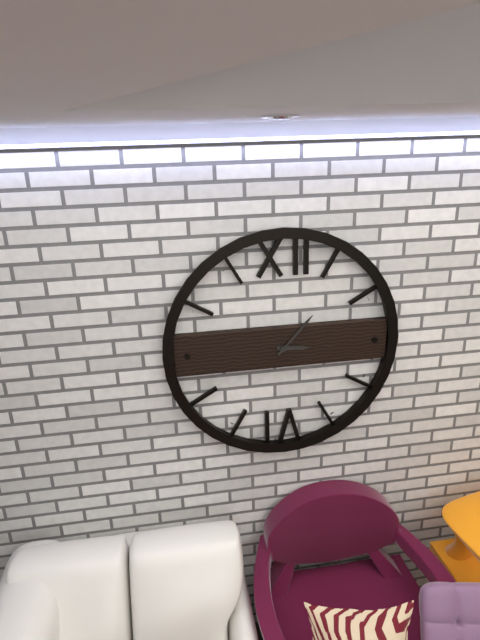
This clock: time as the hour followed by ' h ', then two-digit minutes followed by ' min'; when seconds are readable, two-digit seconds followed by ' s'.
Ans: 3 h 07 min
